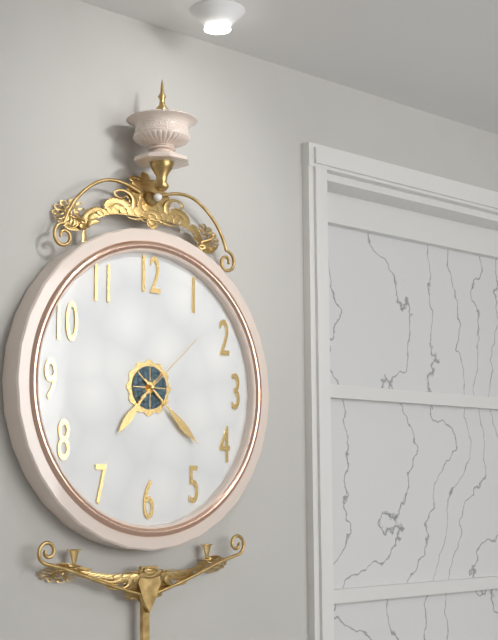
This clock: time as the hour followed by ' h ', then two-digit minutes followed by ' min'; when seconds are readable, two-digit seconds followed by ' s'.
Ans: 7 h 22 min 08 s
